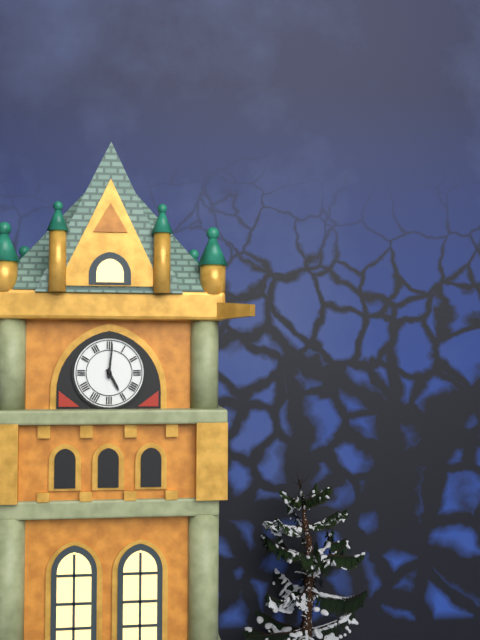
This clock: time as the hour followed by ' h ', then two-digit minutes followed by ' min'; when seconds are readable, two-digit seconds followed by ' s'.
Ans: 5 h 01 min
